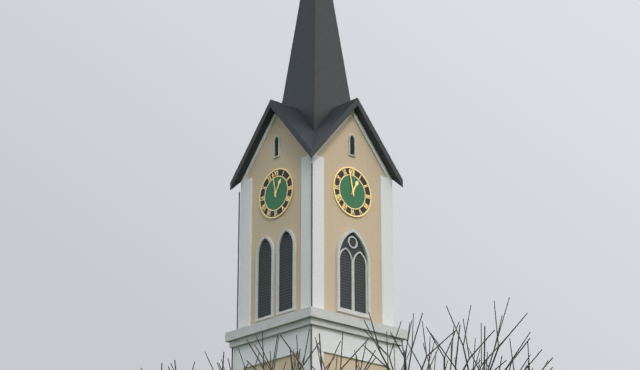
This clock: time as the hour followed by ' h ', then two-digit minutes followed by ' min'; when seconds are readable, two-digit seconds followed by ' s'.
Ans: 12 h 58 min
